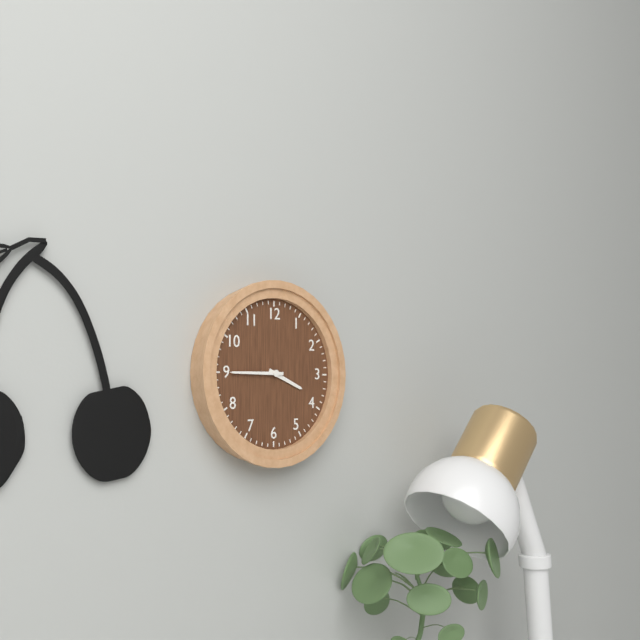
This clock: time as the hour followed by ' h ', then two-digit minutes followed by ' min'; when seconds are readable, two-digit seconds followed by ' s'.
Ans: 3 h 45 min
